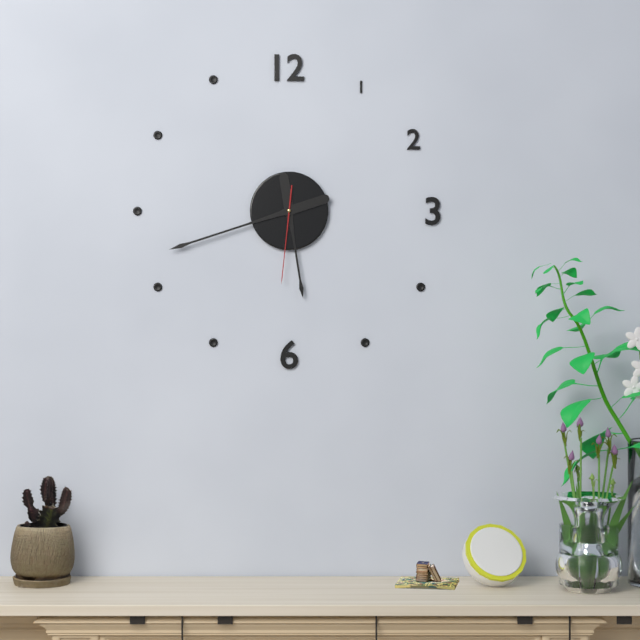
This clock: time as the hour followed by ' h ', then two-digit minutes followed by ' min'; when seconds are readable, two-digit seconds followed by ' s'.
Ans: 5 h 42 min 31 s
